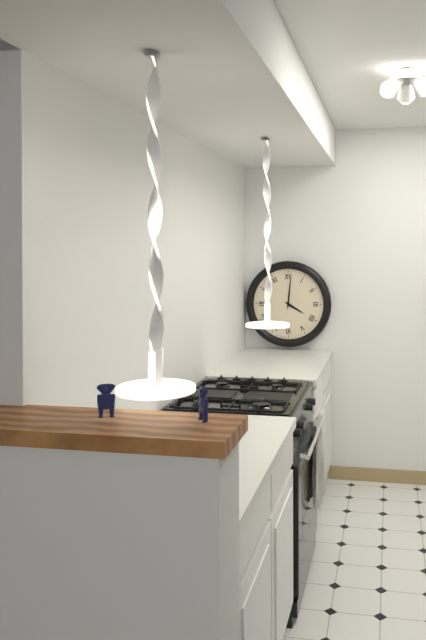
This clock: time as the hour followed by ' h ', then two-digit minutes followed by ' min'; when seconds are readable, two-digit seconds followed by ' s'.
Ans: 4 h 01 min
